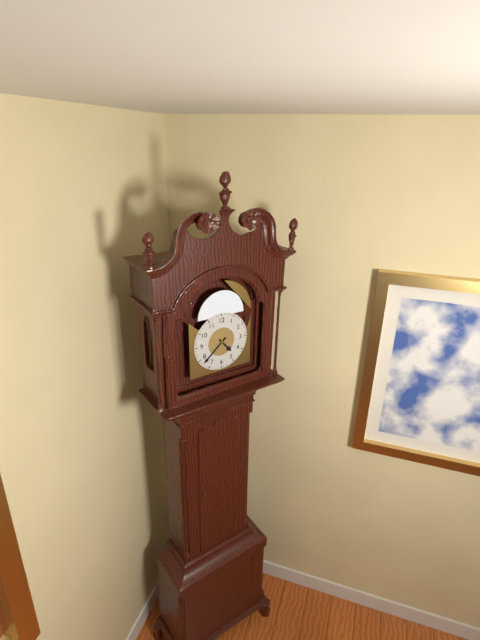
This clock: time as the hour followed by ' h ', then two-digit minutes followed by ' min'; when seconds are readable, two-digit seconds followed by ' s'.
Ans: 4 h 38 min
